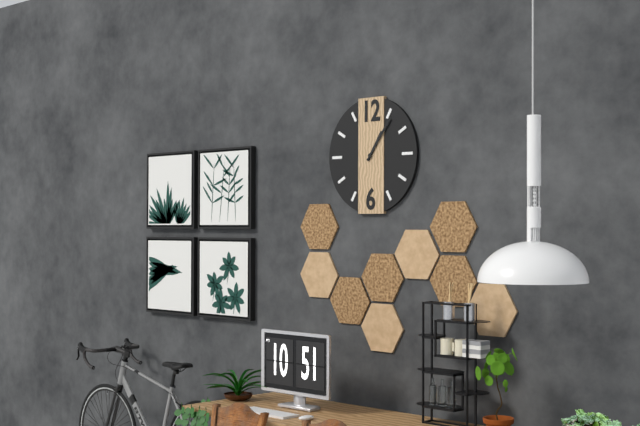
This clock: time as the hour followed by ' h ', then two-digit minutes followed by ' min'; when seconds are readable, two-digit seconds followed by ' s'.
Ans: 1 h 06 min
